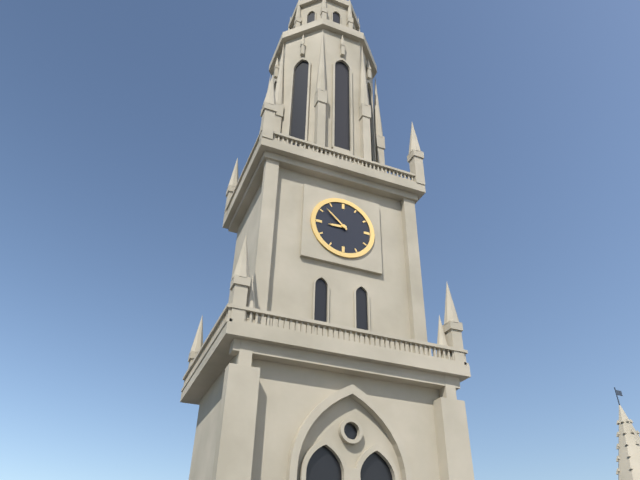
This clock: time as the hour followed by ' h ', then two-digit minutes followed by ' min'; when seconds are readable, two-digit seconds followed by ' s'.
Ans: 8 h 52 min
